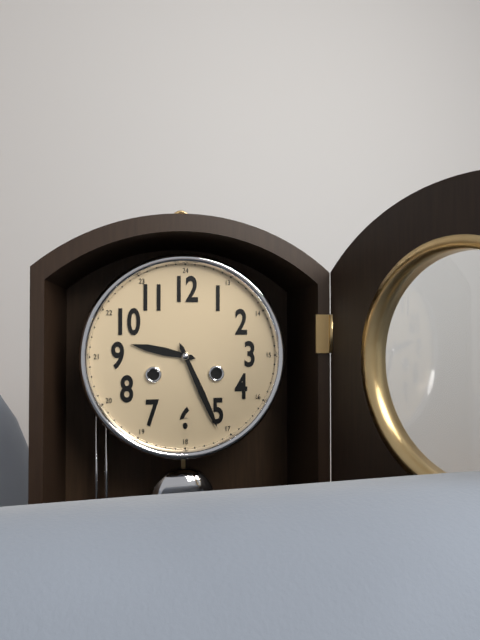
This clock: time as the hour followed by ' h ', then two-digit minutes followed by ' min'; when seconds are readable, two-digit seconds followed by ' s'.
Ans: 9 h 26 min
